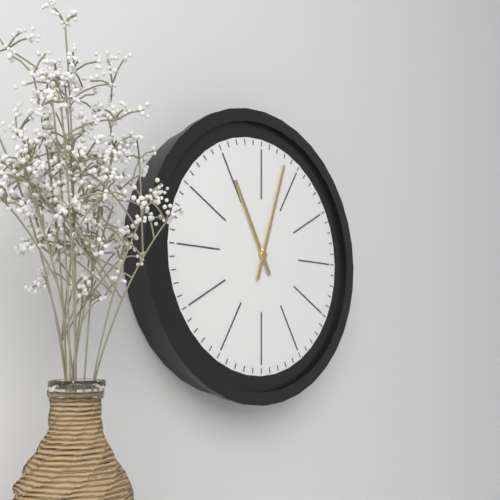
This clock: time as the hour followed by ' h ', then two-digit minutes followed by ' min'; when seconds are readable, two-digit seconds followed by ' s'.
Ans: 11 h 03 min
